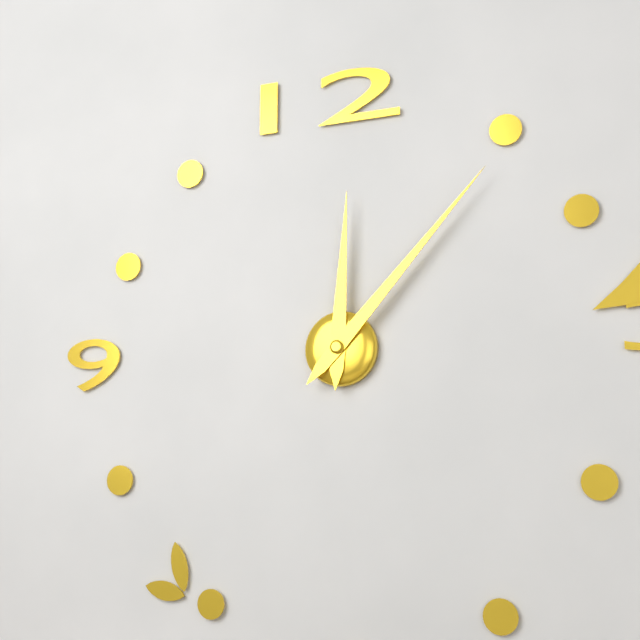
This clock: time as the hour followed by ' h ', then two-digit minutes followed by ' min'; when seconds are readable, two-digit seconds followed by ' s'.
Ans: 12 h 07 min
